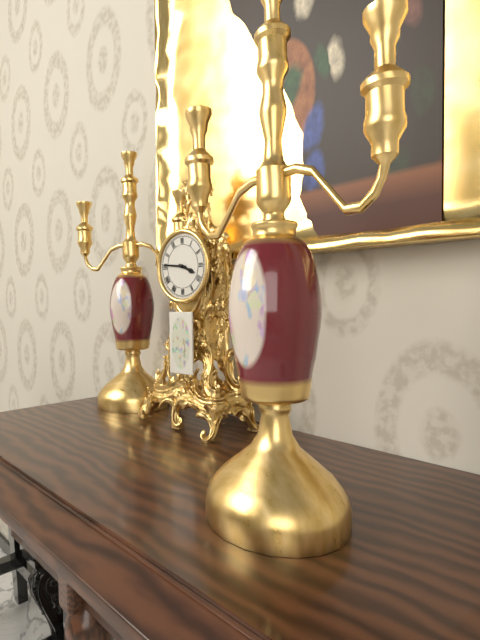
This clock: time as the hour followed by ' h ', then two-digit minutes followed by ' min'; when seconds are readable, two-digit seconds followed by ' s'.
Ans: 3 h 46 min
